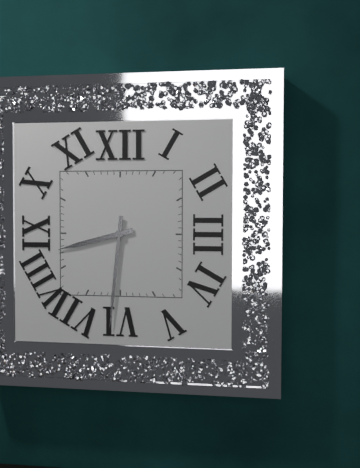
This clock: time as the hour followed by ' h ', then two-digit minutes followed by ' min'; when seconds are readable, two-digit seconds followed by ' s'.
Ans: 8 h 31 min
